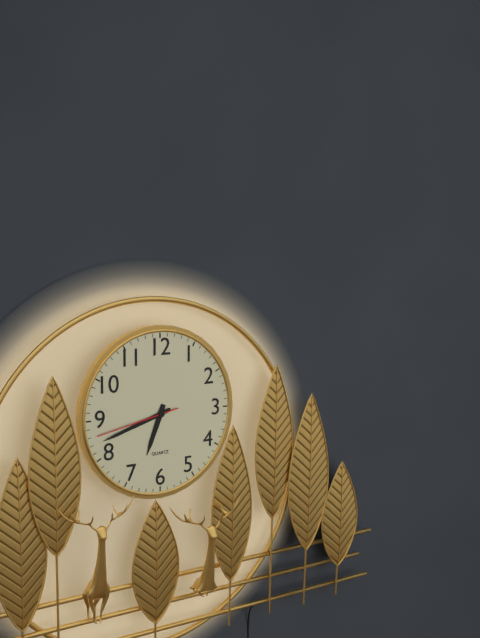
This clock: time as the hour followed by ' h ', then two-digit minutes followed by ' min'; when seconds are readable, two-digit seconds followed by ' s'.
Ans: 6 h 42 min 43 s
